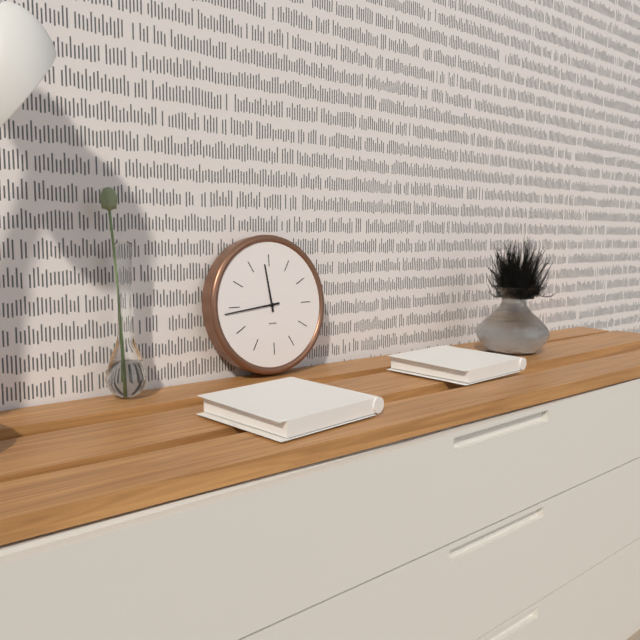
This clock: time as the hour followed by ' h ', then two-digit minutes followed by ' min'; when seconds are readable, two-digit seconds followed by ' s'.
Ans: 11 h 44 min
